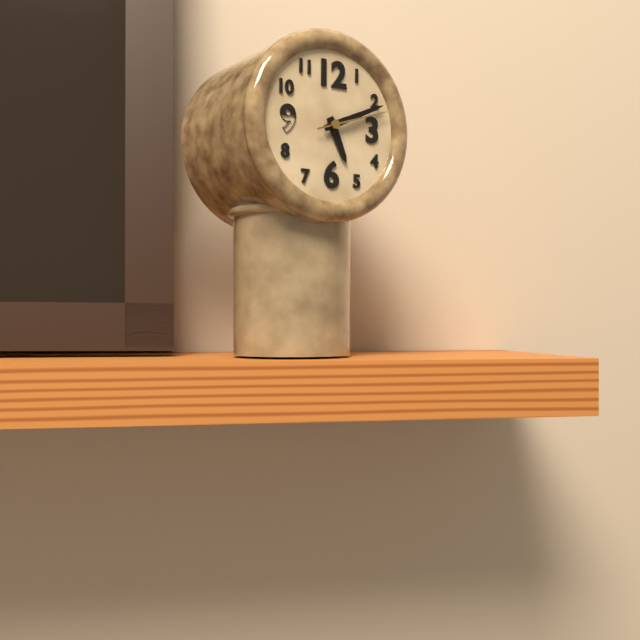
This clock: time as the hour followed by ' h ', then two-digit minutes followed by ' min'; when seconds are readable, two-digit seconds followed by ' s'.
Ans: 5 h 11 min 12 s
